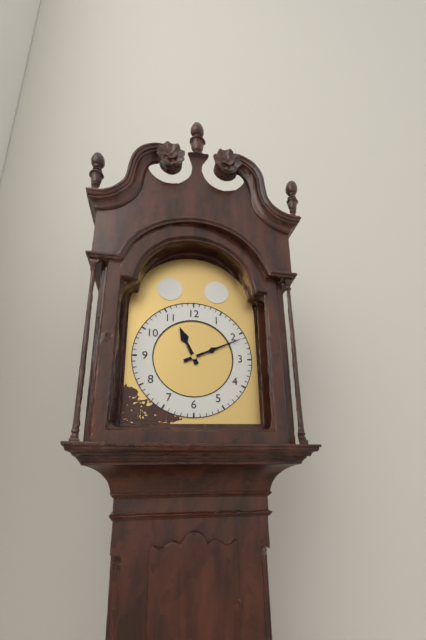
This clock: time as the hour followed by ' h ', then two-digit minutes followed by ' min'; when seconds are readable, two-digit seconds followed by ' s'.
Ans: 11 h 11 min
